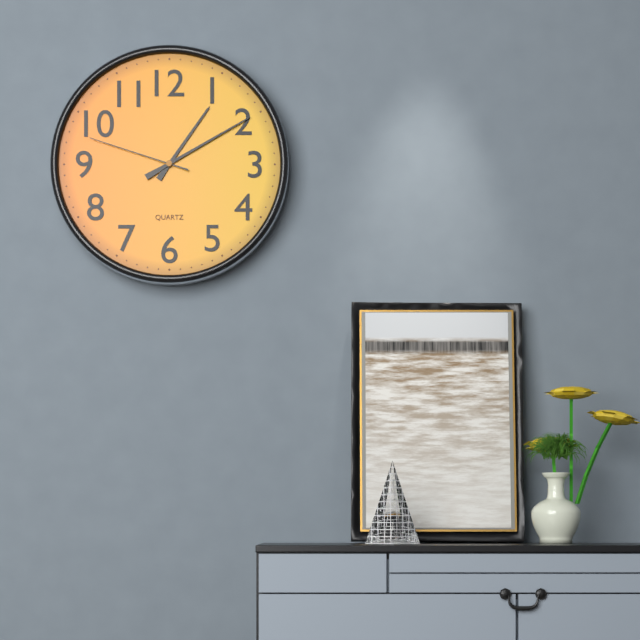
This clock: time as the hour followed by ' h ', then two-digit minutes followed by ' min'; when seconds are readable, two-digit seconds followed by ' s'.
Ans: 1 h 10 min 48 s
